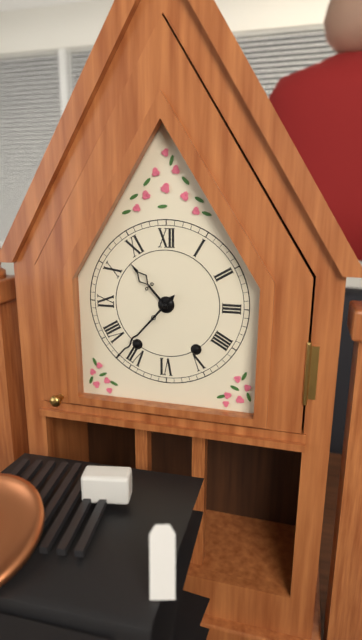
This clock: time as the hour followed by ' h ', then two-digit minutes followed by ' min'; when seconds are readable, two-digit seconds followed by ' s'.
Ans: 10 h 37 min
